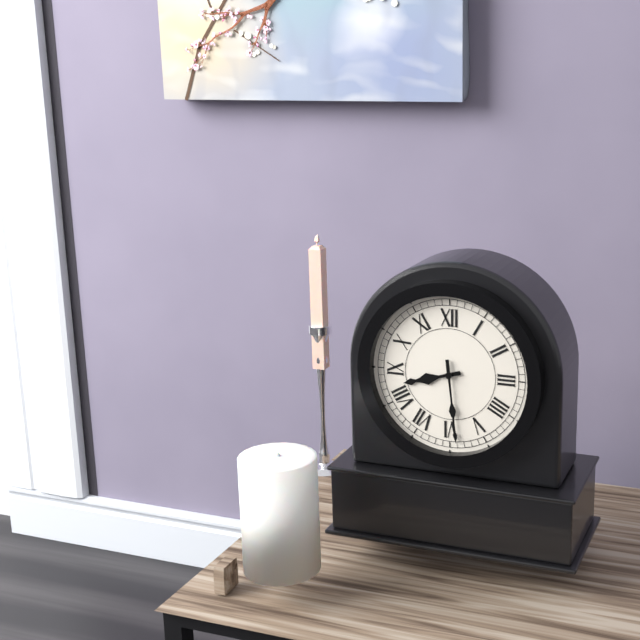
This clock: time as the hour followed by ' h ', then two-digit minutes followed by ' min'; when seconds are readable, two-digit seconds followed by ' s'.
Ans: 8 h 29 min
